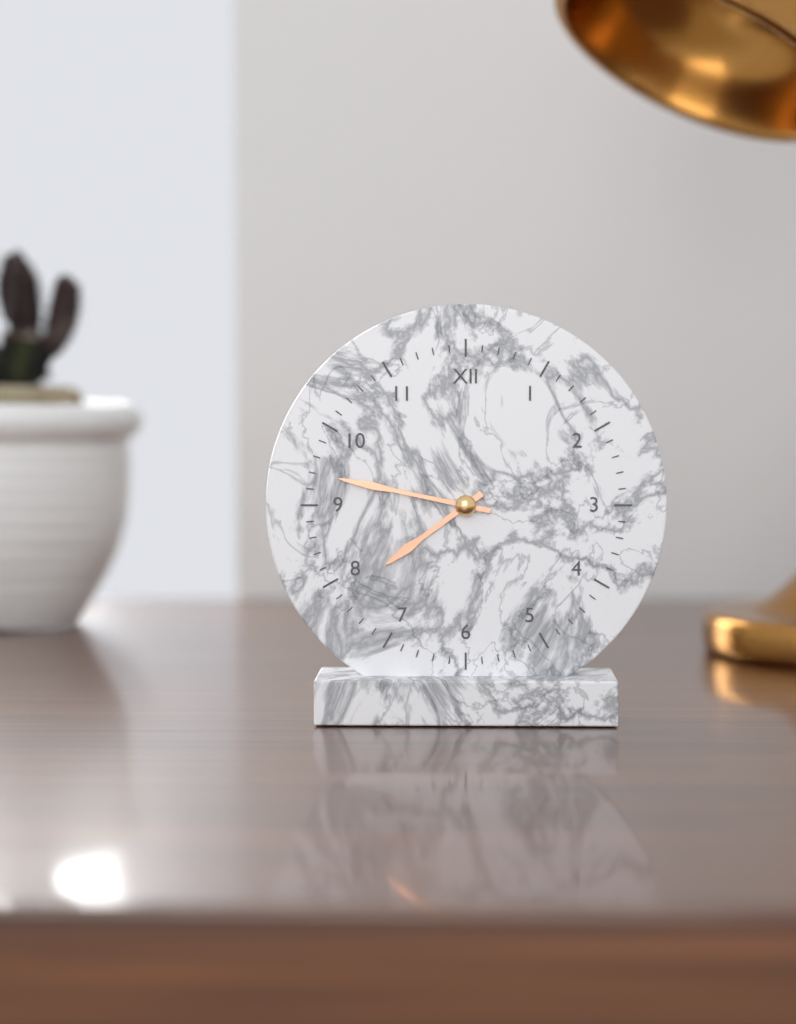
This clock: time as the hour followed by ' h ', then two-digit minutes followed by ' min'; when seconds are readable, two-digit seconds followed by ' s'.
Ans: 7 h 47 min
